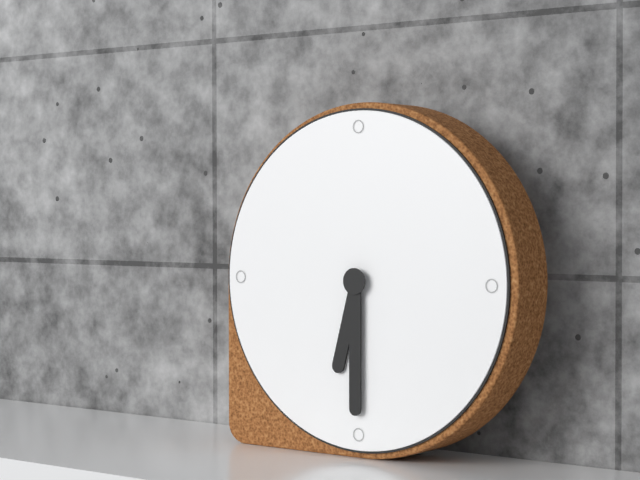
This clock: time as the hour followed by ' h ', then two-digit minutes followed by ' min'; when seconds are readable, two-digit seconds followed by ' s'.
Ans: 6 h 30 min
